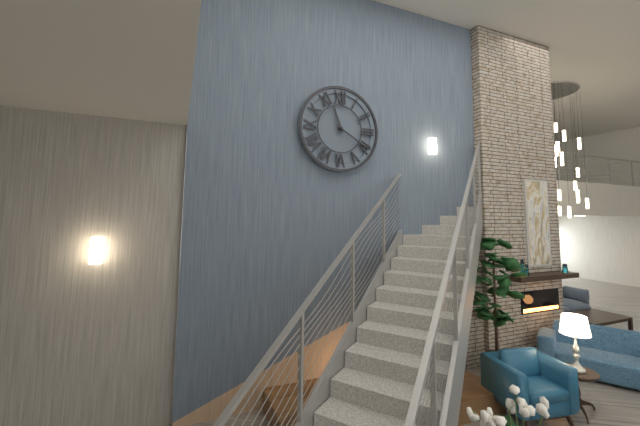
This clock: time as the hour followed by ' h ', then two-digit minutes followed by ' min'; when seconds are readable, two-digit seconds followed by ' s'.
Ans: 11 h 20 min
